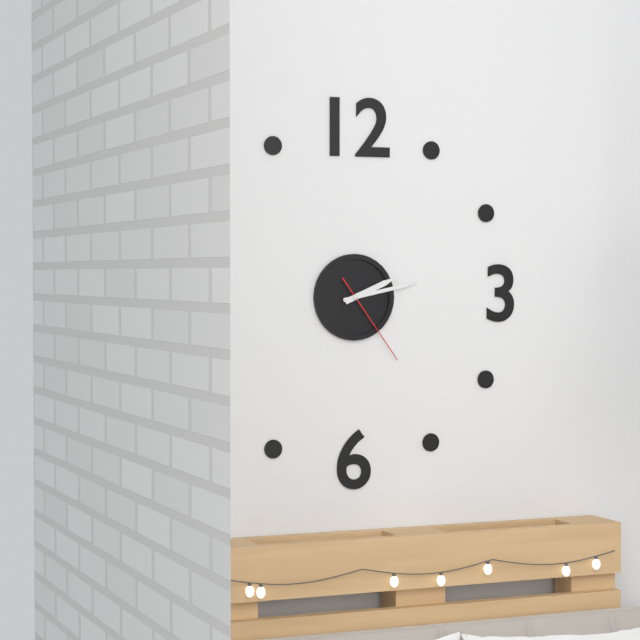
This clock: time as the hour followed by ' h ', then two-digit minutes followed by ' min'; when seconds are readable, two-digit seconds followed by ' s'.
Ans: 2 h 13 min 24 s
